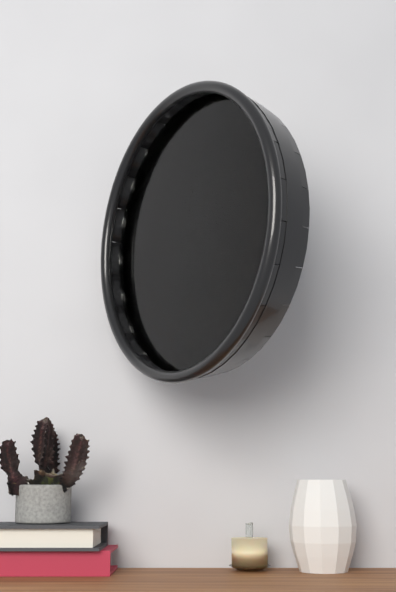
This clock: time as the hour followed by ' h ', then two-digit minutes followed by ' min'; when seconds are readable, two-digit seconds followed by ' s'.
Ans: 2 h 45 min
